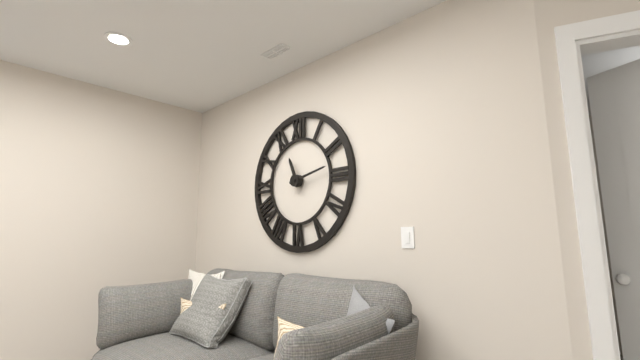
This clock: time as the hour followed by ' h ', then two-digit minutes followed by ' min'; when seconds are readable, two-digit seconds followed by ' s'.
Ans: 11 h 13 min
